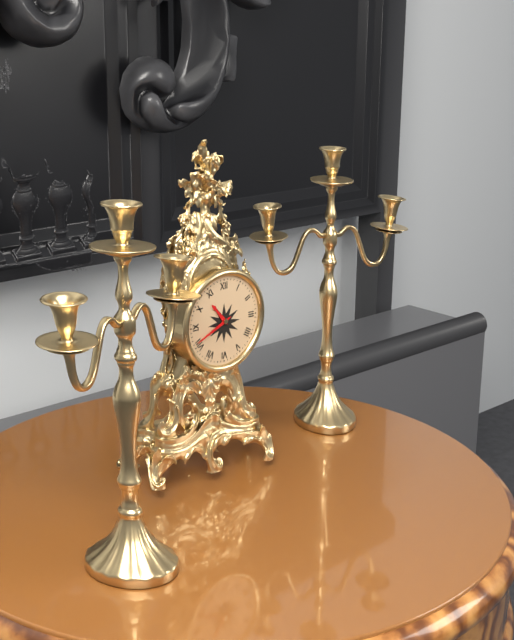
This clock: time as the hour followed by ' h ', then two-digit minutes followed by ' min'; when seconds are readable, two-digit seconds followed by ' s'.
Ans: 10 h 41 min
